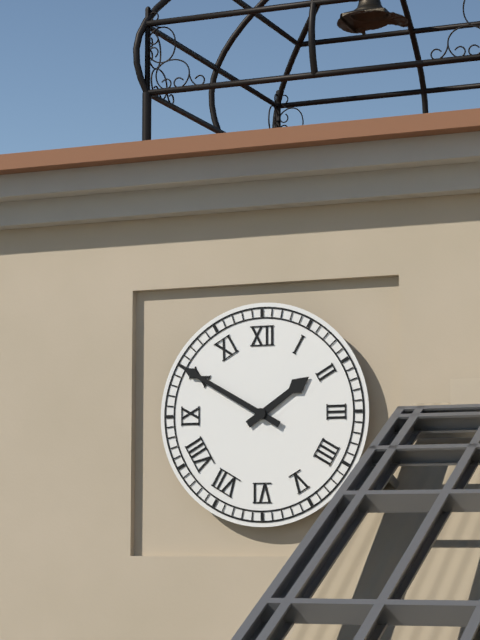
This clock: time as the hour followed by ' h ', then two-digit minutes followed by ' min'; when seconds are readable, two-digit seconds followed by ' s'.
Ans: 1 h 50 min
